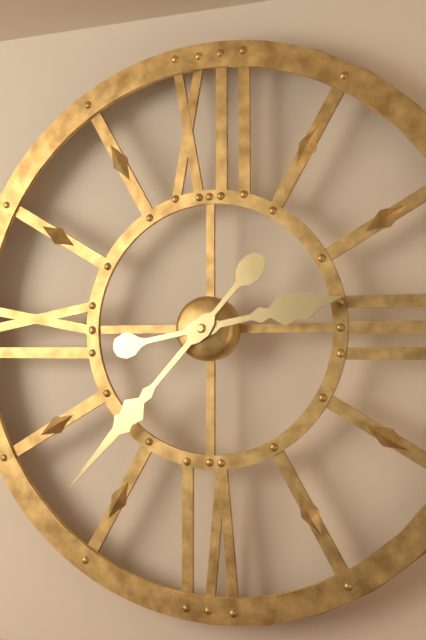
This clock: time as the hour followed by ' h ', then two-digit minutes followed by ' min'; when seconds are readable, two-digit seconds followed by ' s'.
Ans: 2 h 37 min
